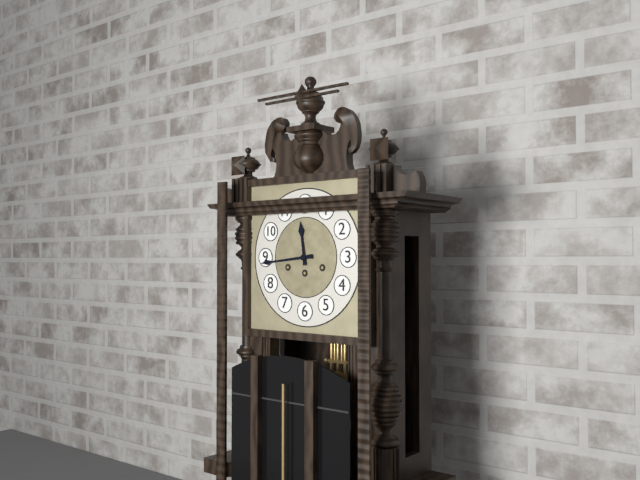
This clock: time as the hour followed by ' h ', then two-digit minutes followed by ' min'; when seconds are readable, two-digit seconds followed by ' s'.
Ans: 11 h 44 min
